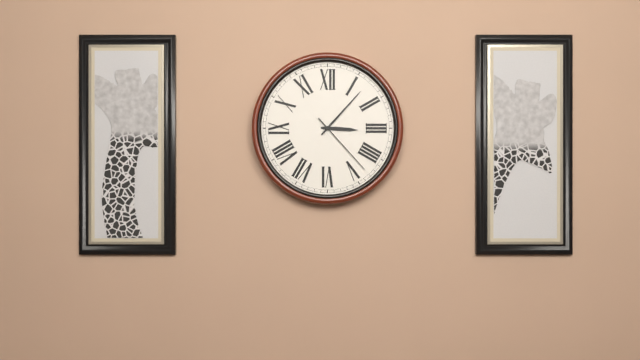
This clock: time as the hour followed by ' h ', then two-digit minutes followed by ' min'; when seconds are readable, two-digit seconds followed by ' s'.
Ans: 3 h 07 min 23 s
